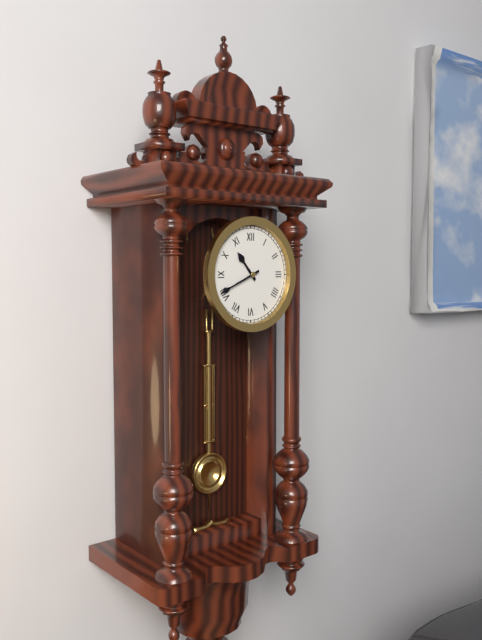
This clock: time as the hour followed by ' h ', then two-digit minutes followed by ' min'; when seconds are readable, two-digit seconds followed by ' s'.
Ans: 10 h 41 min
